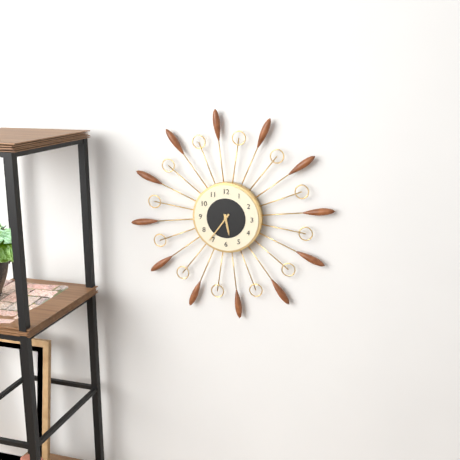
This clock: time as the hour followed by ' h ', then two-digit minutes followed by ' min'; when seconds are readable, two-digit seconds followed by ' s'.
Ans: 5 h 36 min
